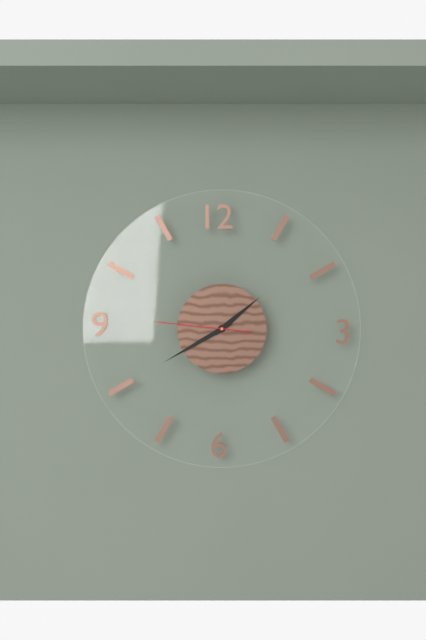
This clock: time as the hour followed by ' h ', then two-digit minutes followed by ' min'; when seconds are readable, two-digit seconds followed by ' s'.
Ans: 1 h 40 min 46 s
